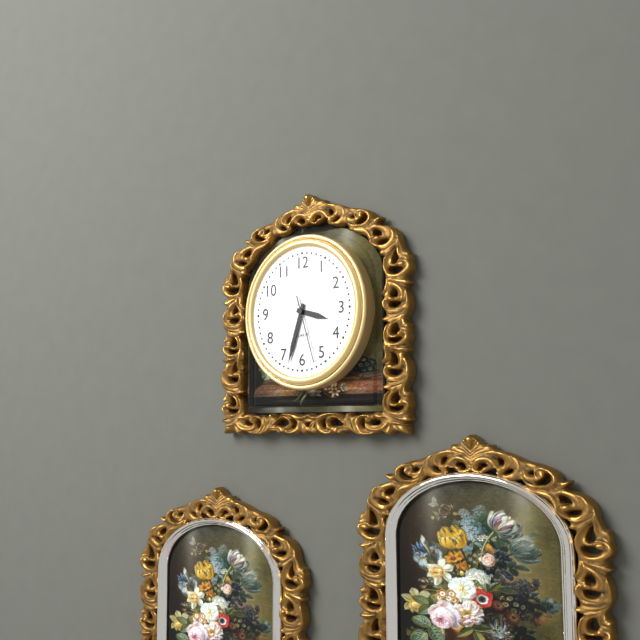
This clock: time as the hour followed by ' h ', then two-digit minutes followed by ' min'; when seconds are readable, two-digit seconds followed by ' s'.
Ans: 3 h 33 min 27 s
